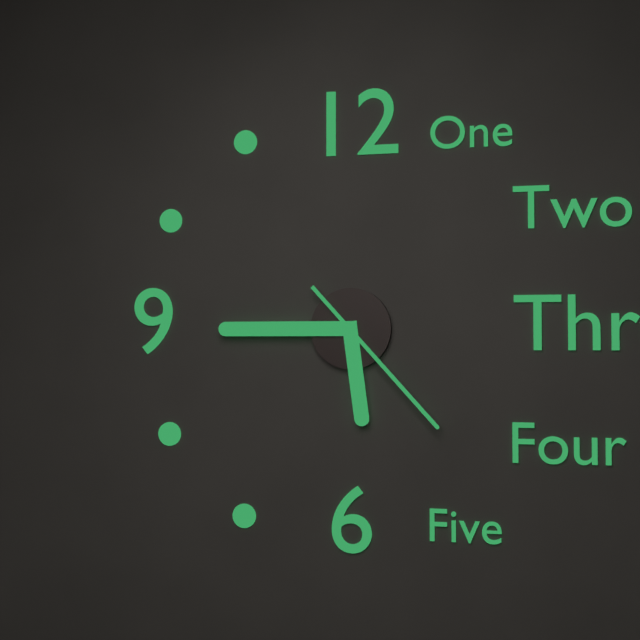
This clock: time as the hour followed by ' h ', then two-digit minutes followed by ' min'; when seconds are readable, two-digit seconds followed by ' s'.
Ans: 5 h 45 min 23 s
